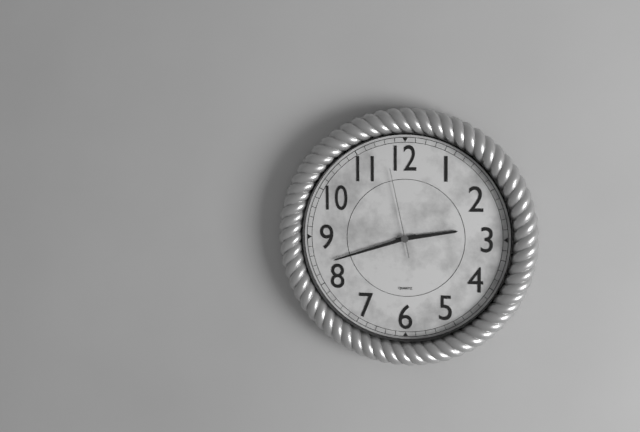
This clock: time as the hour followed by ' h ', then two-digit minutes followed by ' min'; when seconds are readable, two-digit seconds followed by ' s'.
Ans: 2 h 42 min 58 s
